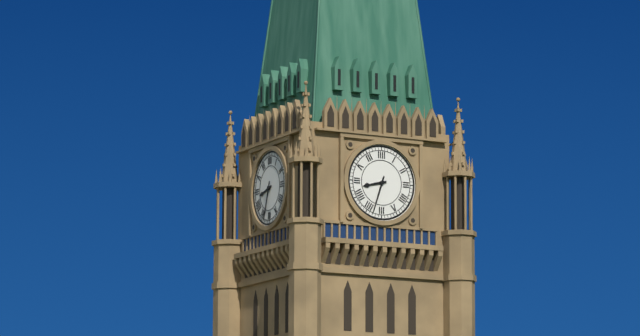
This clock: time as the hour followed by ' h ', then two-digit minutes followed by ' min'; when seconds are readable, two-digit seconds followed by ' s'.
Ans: 8 h 33 min
